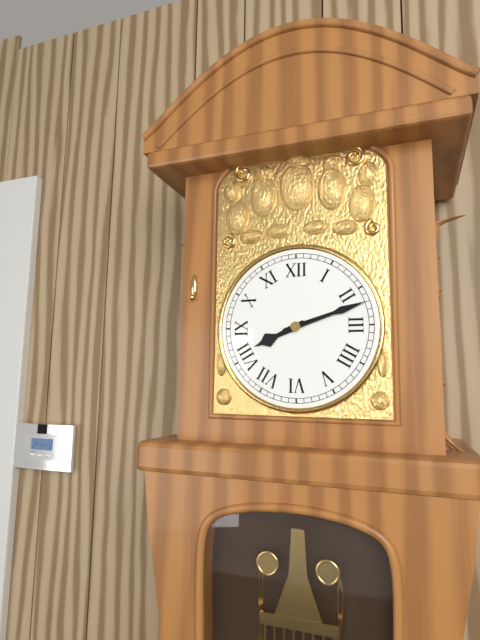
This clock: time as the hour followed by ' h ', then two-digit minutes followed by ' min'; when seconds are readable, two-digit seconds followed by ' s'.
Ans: 8 h 12 min
